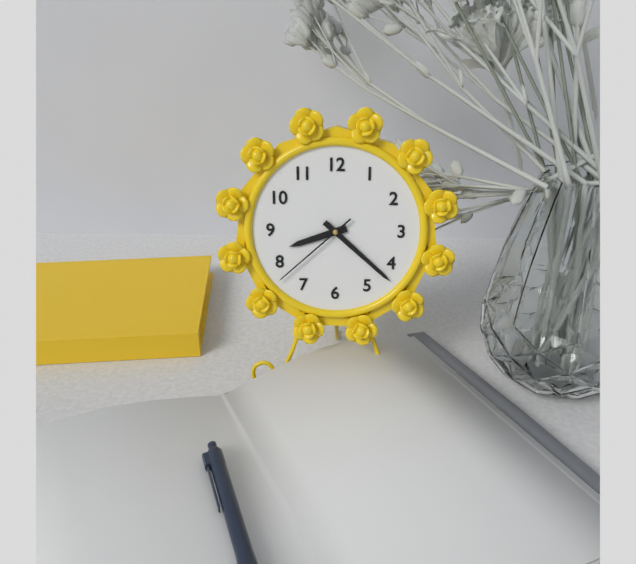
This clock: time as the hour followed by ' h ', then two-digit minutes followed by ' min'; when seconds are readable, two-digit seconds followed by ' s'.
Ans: 8 h 22 min 38 s
